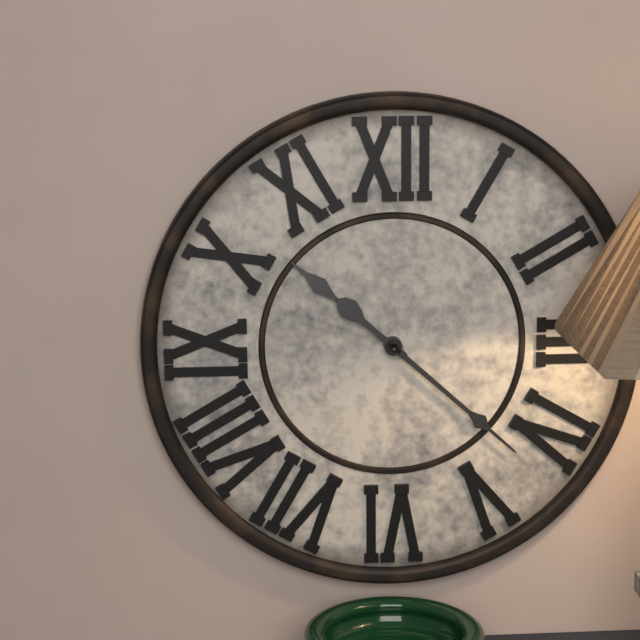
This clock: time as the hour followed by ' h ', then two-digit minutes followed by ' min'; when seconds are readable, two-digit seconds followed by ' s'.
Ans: 10 h 22 min
